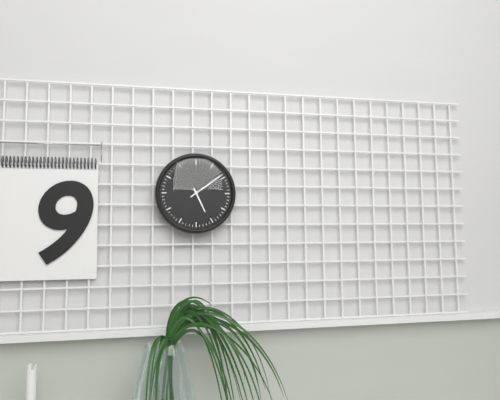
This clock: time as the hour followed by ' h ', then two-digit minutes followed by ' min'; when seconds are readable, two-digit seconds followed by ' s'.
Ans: 5 h 09 min
